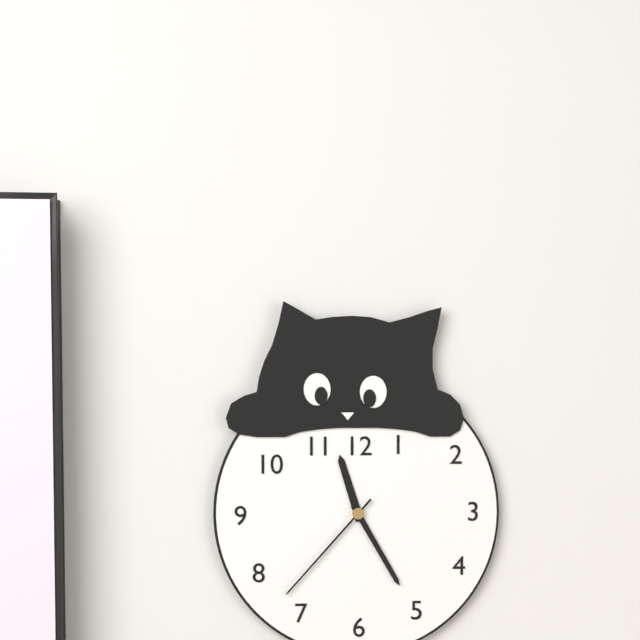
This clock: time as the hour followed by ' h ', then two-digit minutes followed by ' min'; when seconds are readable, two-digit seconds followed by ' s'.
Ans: 11 h 25 min 37 s
